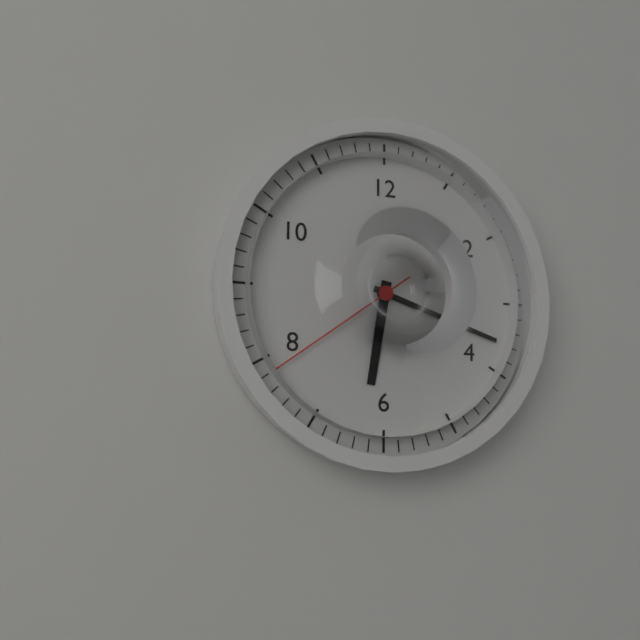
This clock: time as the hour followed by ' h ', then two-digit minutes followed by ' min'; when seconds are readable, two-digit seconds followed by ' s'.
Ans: 6 h 18 min 39 s
